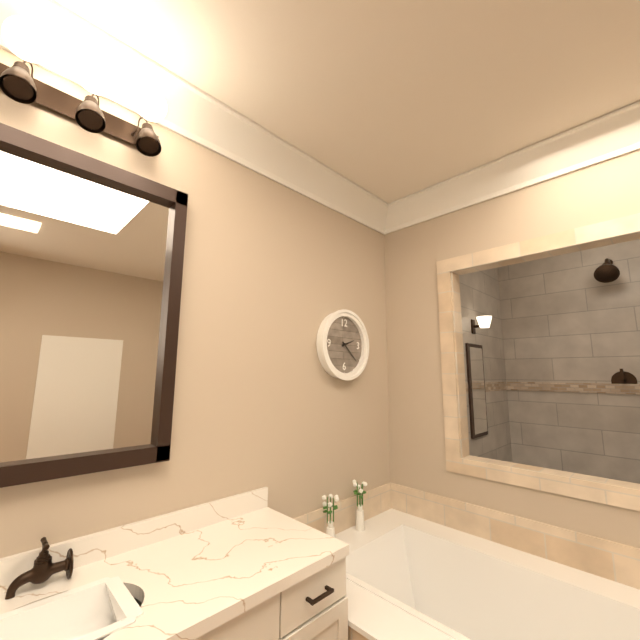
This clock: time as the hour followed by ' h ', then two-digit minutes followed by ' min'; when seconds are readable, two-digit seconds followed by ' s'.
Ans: 2 h 22 min
